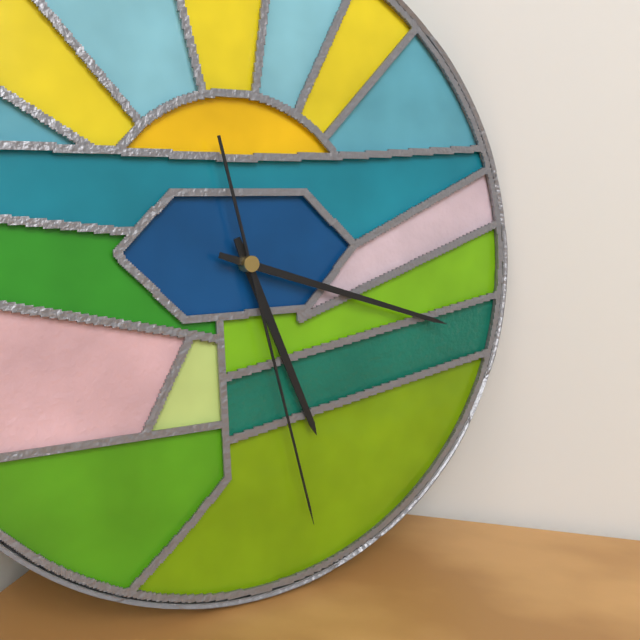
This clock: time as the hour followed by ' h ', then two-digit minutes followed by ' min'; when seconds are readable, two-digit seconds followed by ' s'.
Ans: 5 h 18 min 28 s
